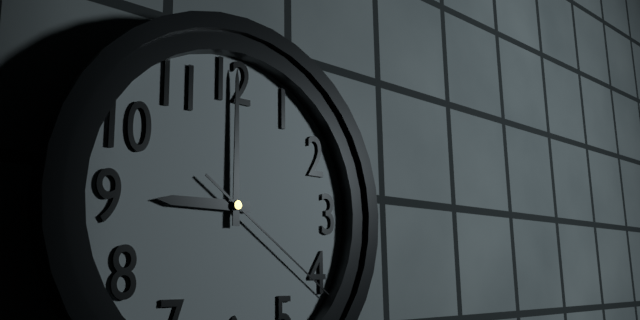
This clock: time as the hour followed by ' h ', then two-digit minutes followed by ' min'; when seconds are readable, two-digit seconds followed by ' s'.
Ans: 9 h 00 min 21 s
